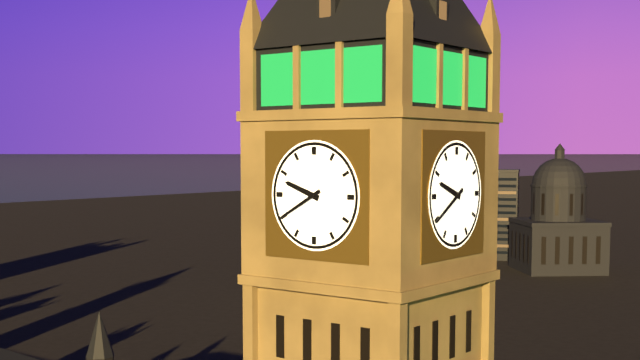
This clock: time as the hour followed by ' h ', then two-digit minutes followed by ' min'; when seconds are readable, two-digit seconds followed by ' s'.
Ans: 9 h 40 min
